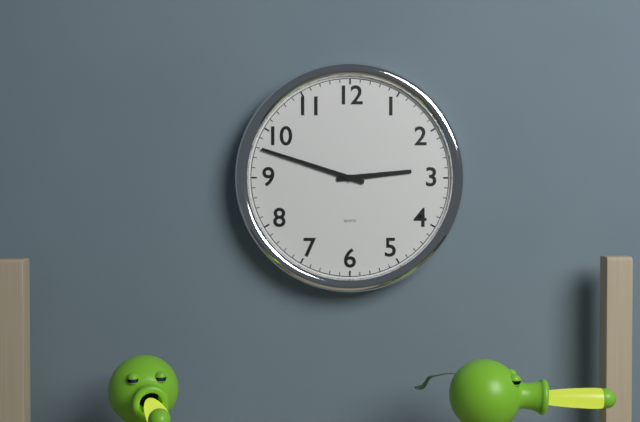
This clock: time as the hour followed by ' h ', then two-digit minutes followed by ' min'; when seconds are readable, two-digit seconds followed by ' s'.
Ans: 2 h 48 min
